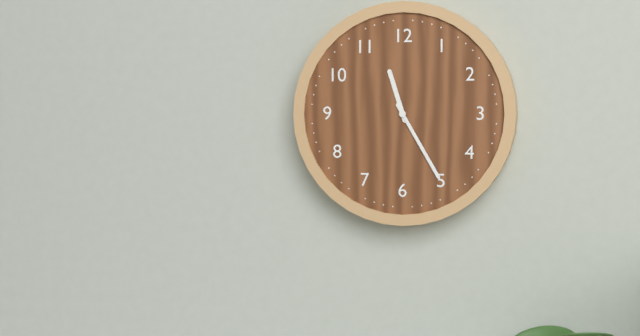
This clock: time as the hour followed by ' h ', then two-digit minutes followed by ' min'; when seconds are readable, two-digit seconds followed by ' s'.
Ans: 11 h 25 min
